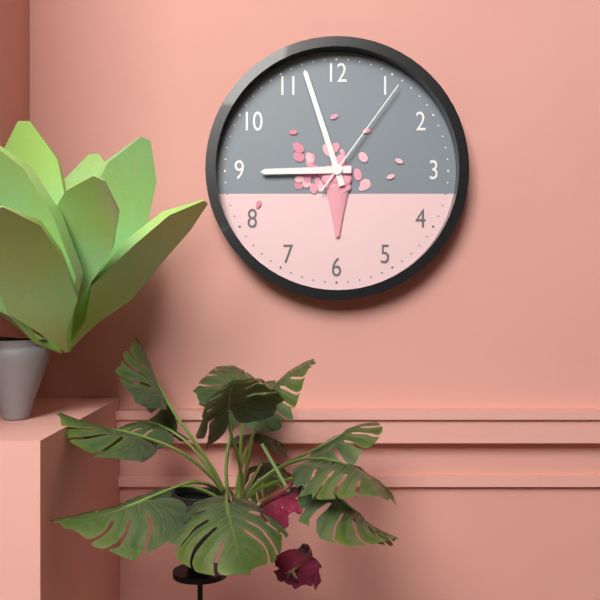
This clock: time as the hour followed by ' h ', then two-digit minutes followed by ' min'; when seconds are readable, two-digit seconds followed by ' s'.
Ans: 8 h 57 min 06 s
